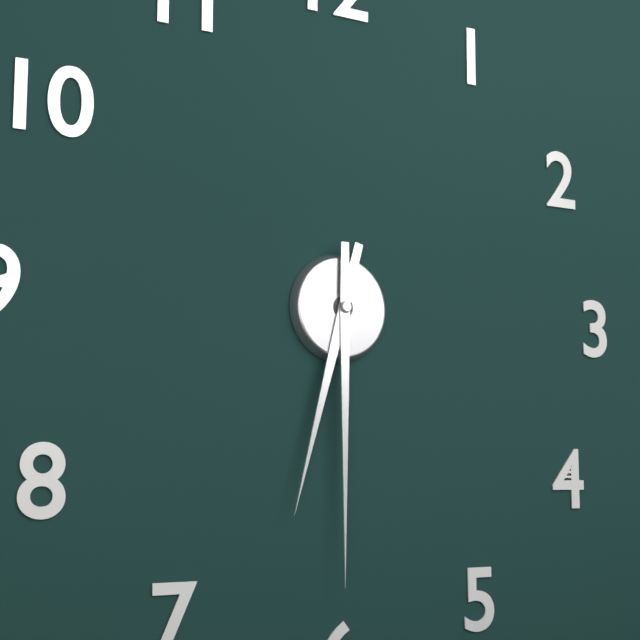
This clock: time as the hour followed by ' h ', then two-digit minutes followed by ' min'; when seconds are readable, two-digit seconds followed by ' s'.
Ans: 6 h 30 min
